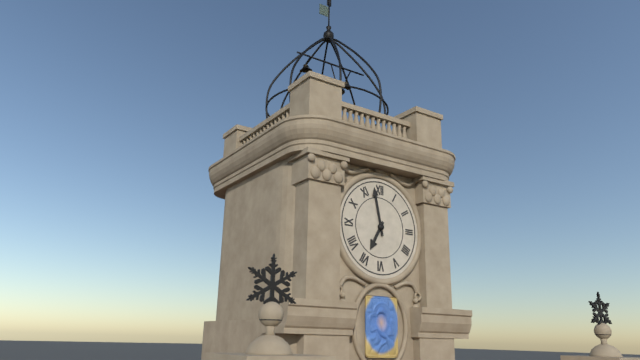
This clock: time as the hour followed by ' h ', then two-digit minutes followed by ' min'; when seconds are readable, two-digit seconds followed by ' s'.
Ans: 6 h 58 min
